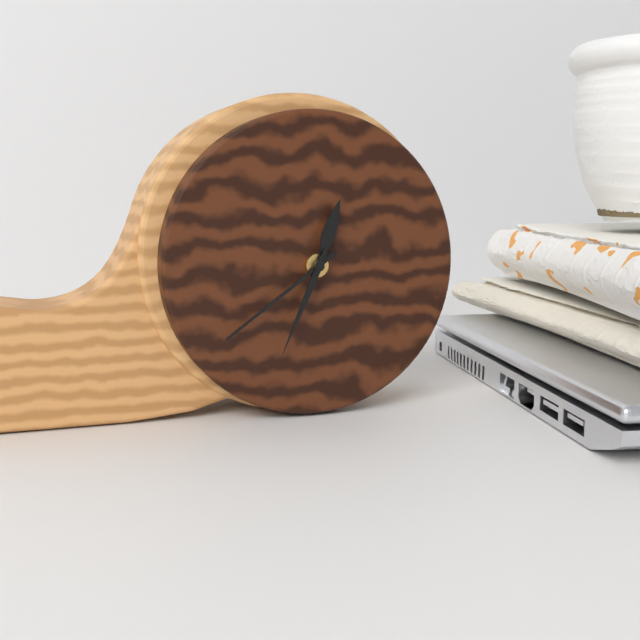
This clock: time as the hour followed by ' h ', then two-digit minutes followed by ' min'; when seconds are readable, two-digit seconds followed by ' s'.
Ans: 12 h 39 min 34 s
